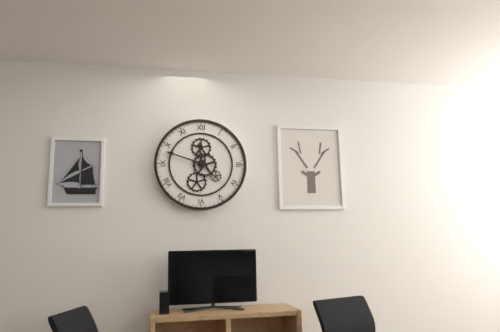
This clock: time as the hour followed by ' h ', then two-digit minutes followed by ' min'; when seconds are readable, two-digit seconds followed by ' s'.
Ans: 11 h 48 min
